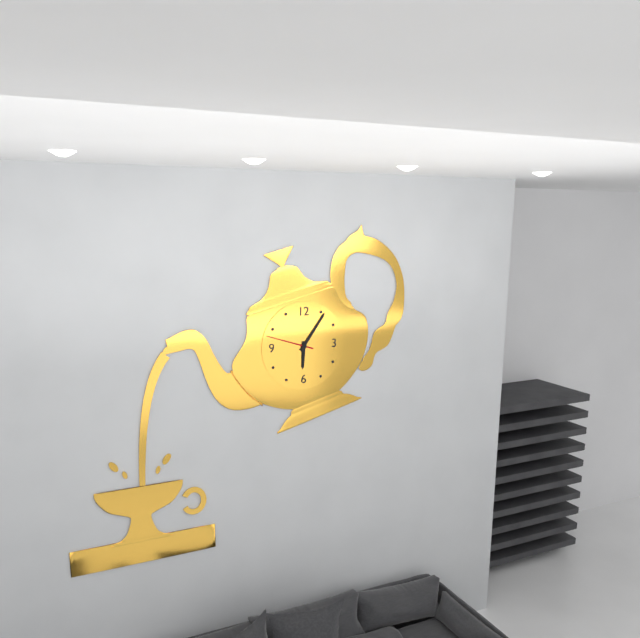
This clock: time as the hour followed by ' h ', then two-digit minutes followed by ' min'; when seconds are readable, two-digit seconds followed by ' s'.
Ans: 6 h 06 min
